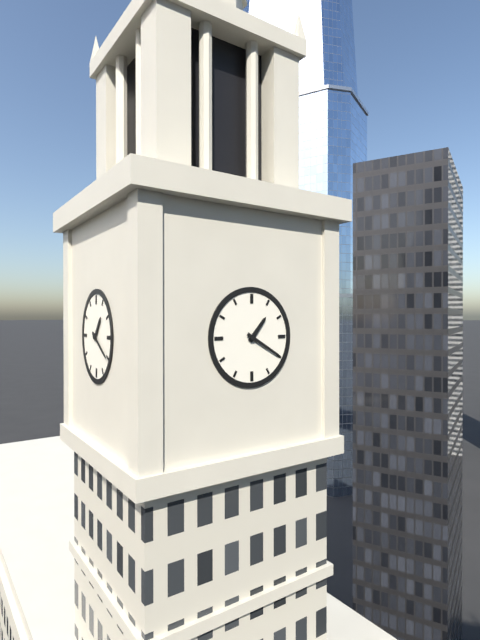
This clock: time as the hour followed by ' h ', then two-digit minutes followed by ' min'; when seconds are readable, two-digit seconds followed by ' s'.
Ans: 1 h 20 min
